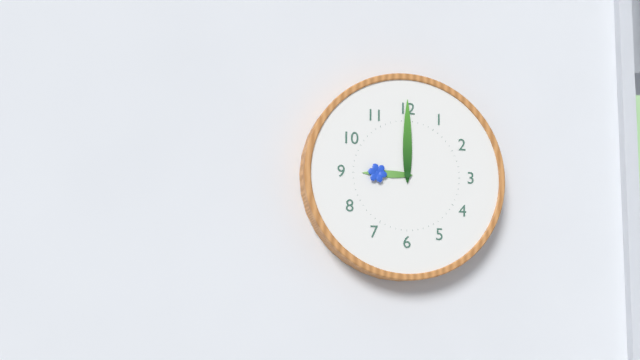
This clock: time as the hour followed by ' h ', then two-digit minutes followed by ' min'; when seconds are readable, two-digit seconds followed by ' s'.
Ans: 9 h 00 min
